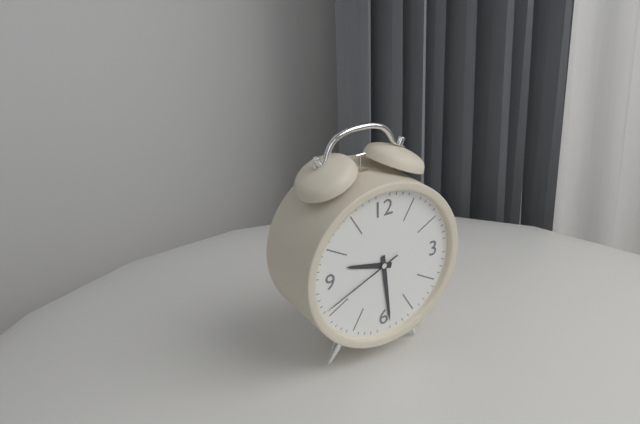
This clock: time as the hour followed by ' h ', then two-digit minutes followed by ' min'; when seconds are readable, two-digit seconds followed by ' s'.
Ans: 9 h 29 min 41 s
